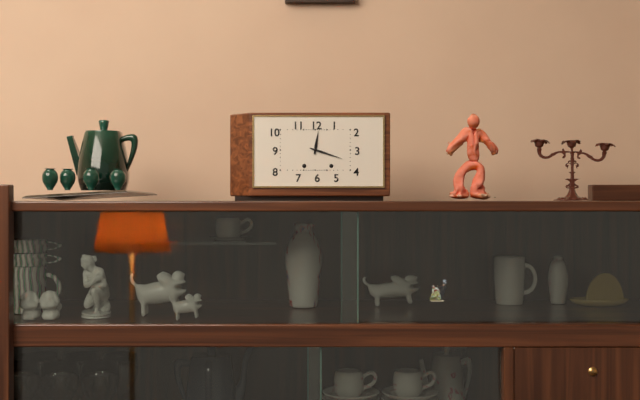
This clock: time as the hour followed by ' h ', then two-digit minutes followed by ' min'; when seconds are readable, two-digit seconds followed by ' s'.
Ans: 12 h 18 min
